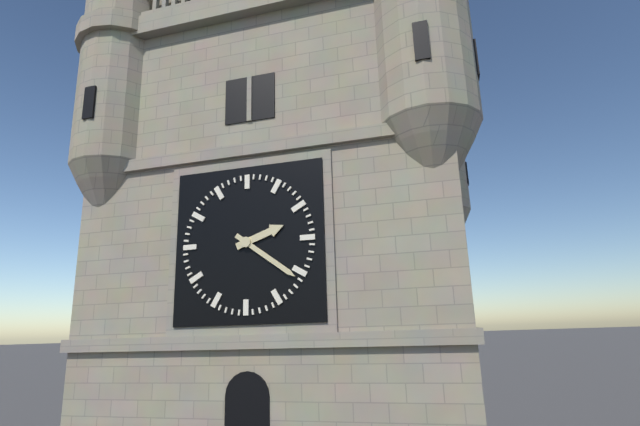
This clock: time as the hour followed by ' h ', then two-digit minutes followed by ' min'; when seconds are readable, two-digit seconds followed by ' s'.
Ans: 2 h 21 min
